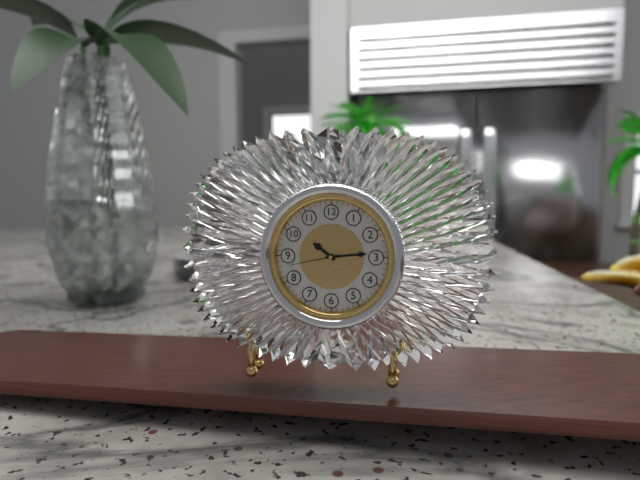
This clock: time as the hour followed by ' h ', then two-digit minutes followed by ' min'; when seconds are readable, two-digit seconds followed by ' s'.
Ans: 10 h 14 min 43 s
